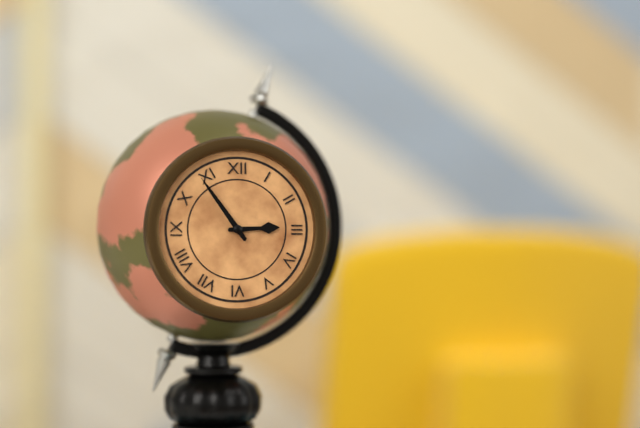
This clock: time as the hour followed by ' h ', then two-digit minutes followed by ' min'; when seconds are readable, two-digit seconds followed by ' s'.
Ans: 2 h 54 min
